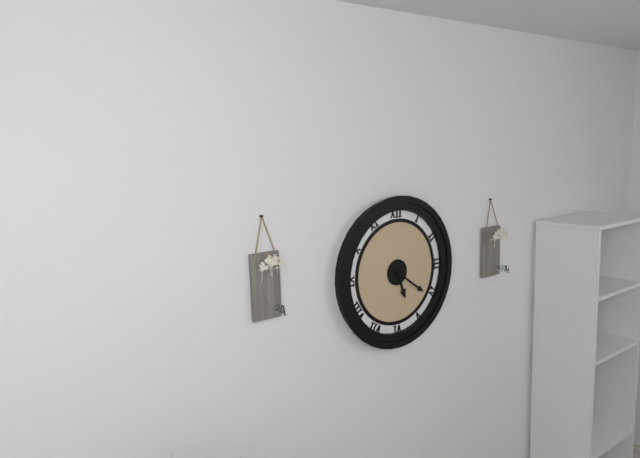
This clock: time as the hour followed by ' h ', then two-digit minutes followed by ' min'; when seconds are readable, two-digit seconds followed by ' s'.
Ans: 5 h 21 min
